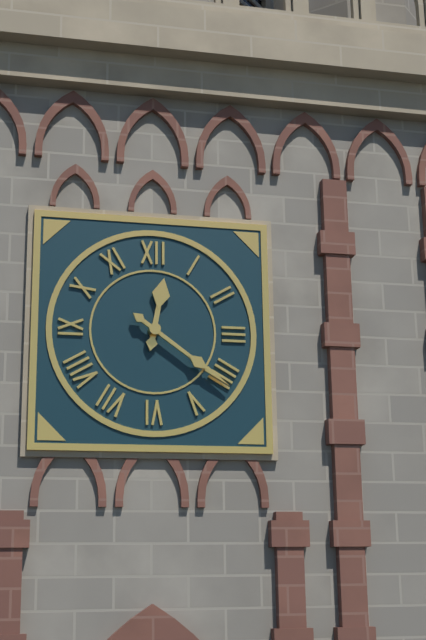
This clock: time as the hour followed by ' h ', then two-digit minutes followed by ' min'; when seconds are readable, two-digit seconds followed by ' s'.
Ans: 12 h 21 min
